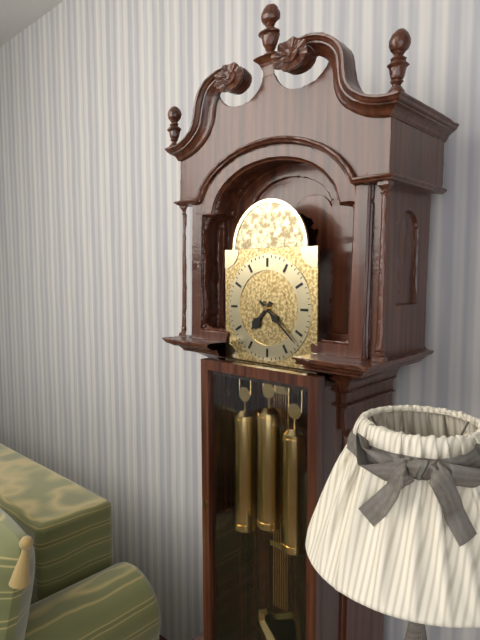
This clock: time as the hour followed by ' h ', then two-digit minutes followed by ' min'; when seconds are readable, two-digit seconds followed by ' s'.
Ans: 7 h 22 min
